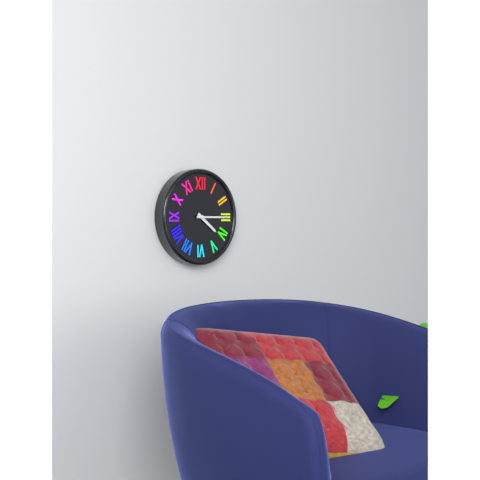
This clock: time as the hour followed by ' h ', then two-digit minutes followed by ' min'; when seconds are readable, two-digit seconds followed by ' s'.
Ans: 4 h 15 min
